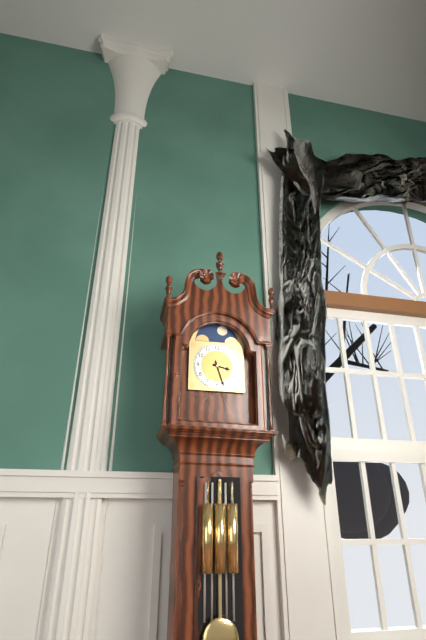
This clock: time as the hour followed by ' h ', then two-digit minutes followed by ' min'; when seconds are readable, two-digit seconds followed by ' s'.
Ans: 3 h 27 min
